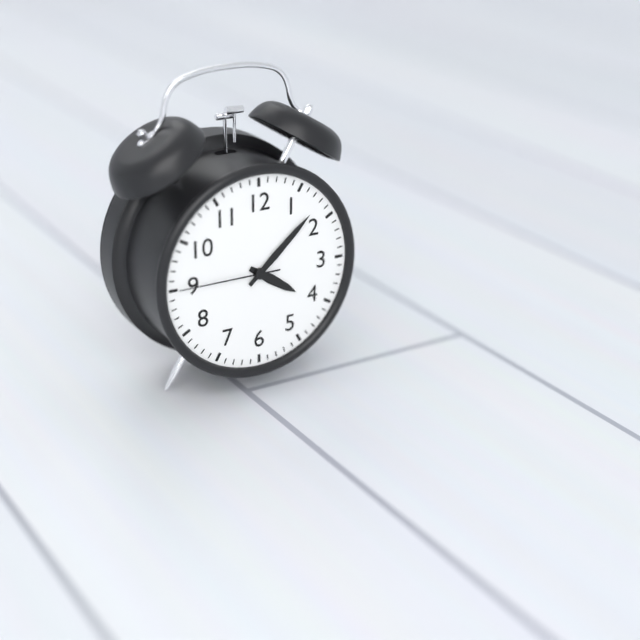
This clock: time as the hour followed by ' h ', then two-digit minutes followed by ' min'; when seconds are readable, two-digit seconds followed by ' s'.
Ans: 4 h 08 min 45 s
